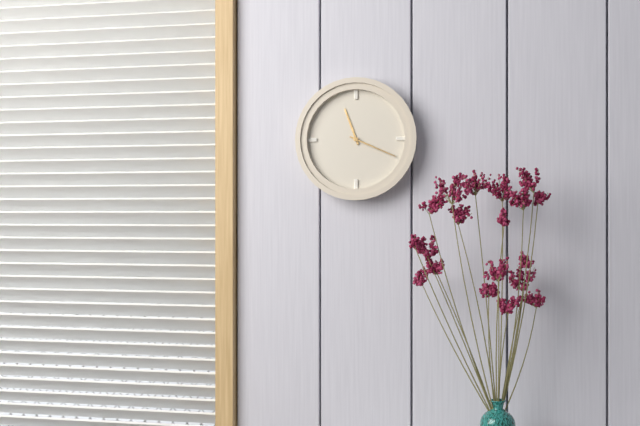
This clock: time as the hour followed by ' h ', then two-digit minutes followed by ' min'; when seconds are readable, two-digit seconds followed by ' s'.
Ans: 11 h 19 min
